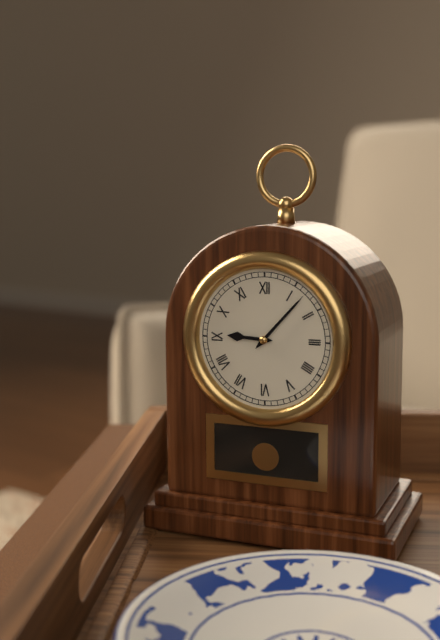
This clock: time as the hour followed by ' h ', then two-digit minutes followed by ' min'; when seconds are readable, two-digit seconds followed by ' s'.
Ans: 9 h 07 min
